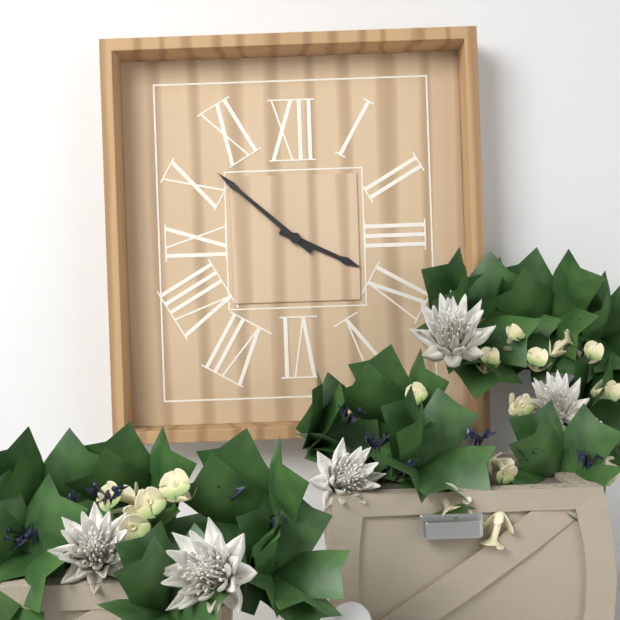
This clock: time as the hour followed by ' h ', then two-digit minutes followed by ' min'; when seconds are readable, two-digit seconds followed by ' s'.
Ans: 3 h 52 min
